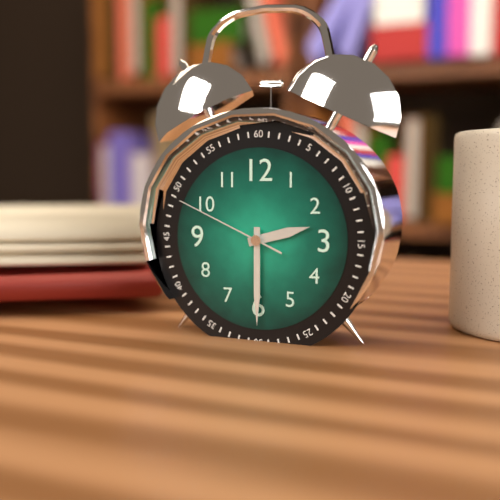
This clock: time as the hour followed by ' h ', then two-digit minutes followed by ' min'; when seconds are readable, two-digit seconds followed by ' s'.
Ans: 2 h 30 min 49 s
